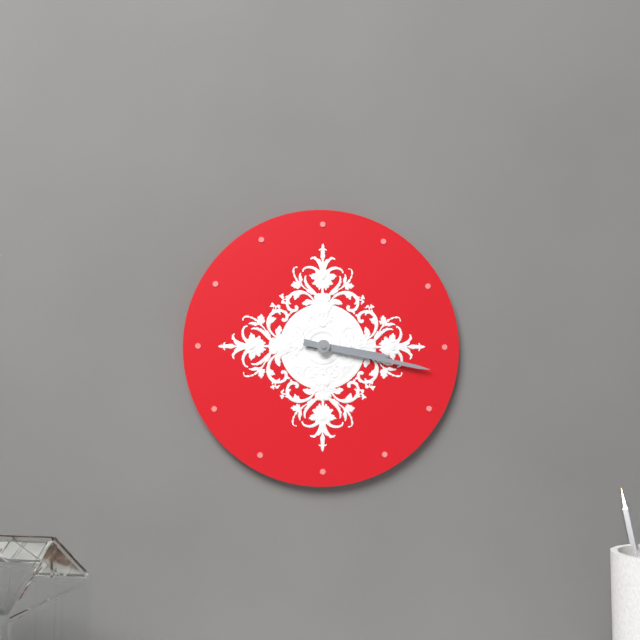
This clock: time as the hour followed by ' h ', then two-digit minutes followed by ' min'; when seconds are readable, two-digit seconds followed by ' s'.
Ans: 3 h 17 min
